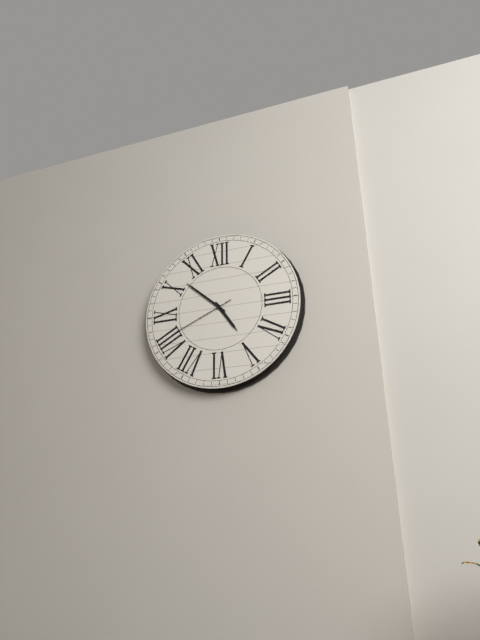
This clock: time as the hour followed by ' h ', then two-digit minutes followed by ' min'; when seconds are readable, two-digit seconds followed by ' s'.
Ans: 4 h 52 min 41 s
